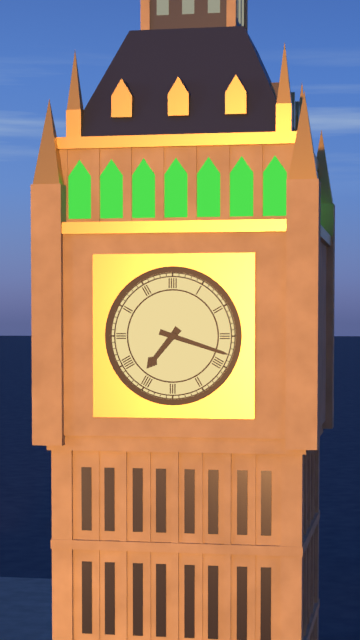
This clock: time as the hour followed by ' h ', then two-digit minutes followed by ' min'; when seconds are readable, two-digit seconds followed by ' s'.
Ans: 7 h 18 min
